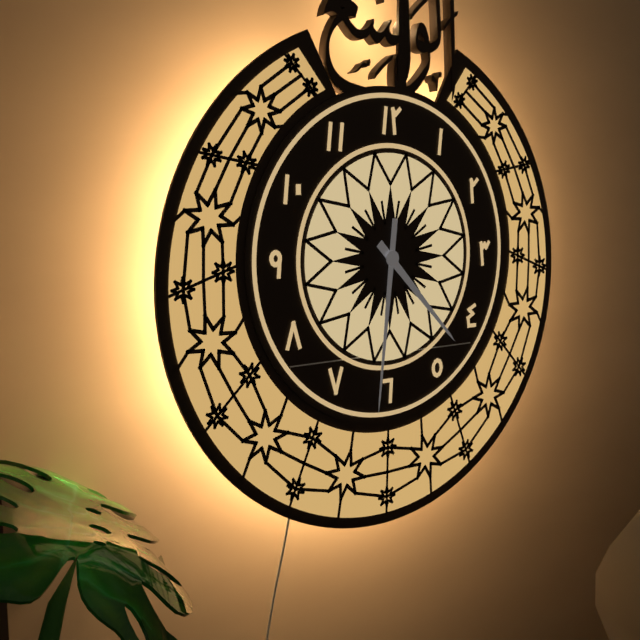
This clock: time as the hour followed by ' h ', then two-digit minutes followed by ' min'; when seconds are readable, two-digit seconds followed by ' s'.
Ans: 4 h 31 min
